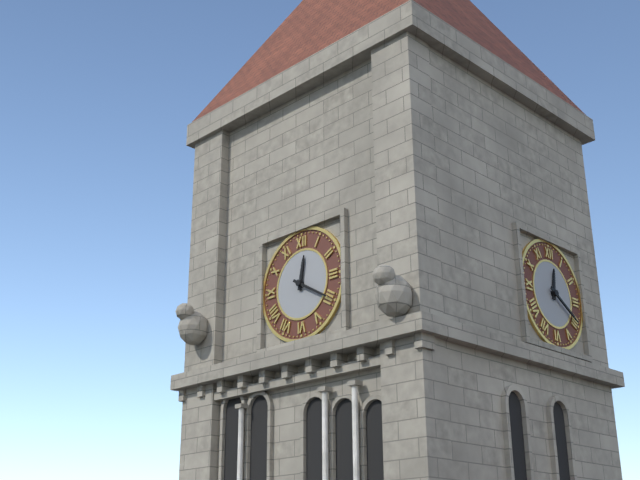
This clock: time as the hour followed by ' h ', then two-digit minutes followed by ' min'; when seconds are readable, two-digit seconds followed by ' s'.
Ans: 12 h 20 min
